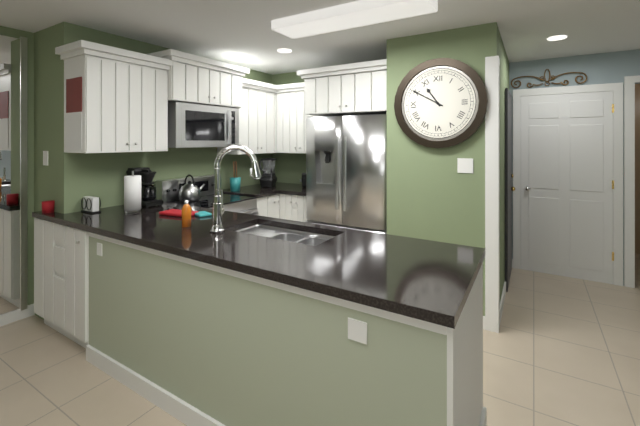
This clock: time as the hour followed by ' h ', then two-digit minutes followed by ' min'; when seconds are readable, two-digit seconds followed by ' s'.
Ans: 10 h 50 min
